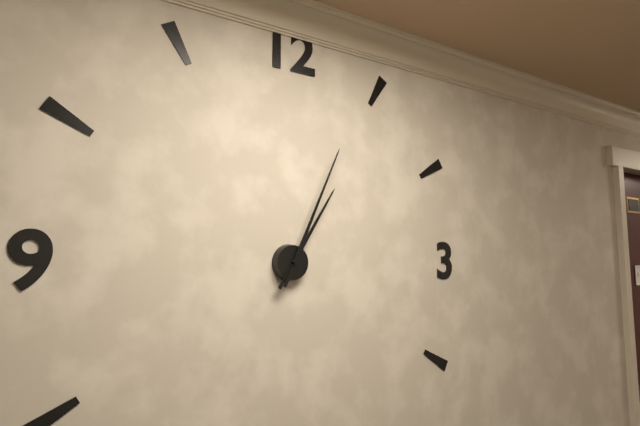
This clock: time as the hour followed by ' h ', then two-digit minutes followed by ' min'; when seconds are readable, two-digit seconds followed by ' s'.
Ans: 1 h 04 min
